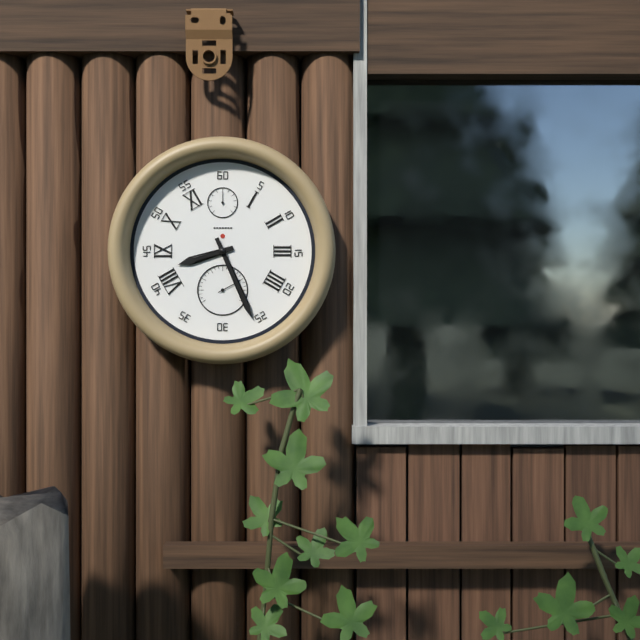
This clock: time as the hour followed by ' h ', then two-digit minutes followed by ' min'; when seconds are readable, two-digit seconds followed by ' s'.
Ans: 8 h 26 min
